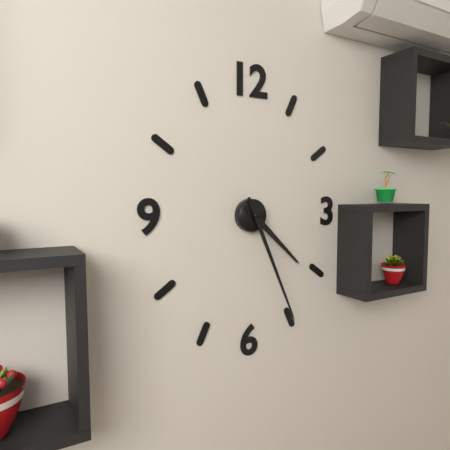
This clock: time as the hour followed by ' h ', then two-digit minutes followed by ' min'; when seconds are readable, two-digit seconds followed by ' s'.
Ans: 4 h 26 min
